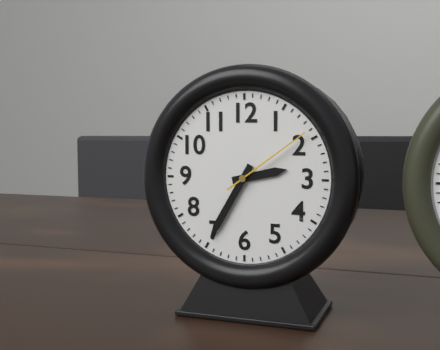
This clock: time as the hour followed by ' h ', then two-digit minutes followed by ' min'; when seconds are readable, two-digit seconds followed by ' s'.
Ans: 2 h 35 min 09 s
